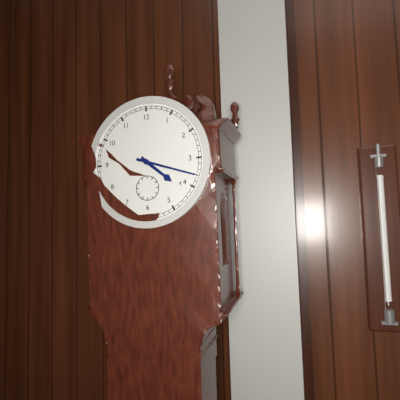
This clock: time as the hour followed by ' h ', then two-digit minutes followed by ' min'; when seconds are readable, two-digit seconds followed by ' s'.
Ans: 4 h 18 min
